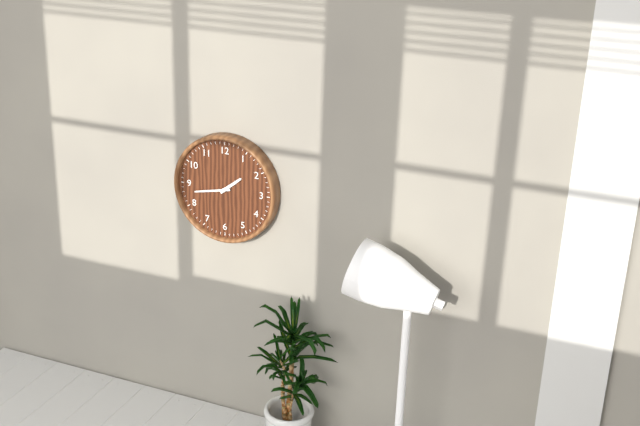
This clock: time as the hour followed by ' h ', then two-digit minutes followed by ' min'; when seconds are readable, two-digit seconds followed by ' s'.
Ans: 1 h 43 min
